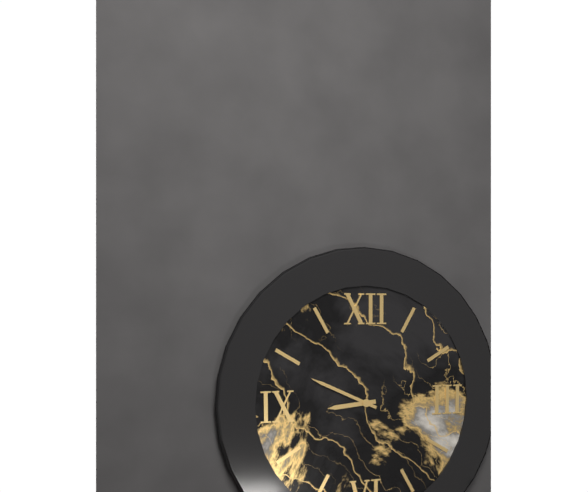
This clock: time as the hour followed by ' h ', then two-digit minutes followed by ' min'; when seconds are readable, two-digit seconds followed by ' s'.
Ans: 8 h 49 min
